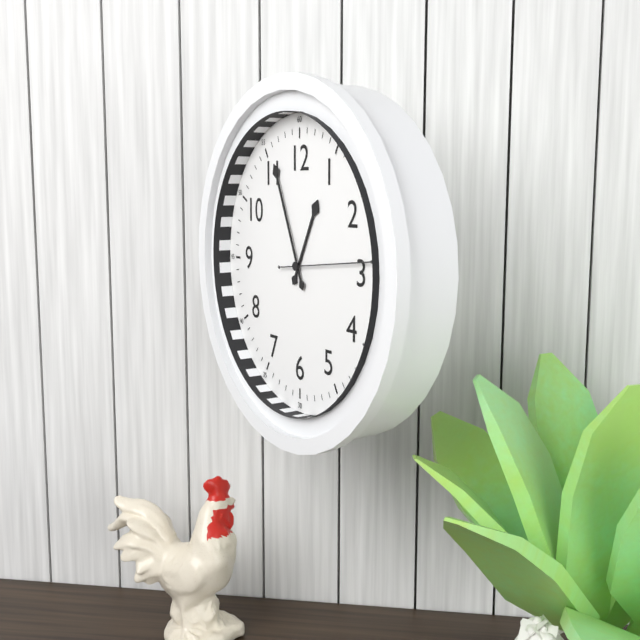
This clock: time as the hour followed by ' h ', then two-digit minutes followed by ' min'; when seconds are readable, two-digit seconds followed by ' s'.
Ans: 12 h 56 min 14 s
